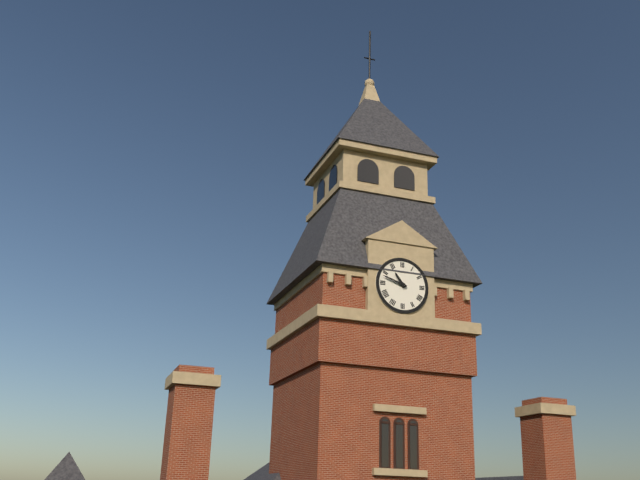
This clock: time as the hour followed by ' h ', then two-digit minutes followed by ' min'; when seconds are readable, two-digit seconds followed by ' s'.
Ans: 10 h 48 min
